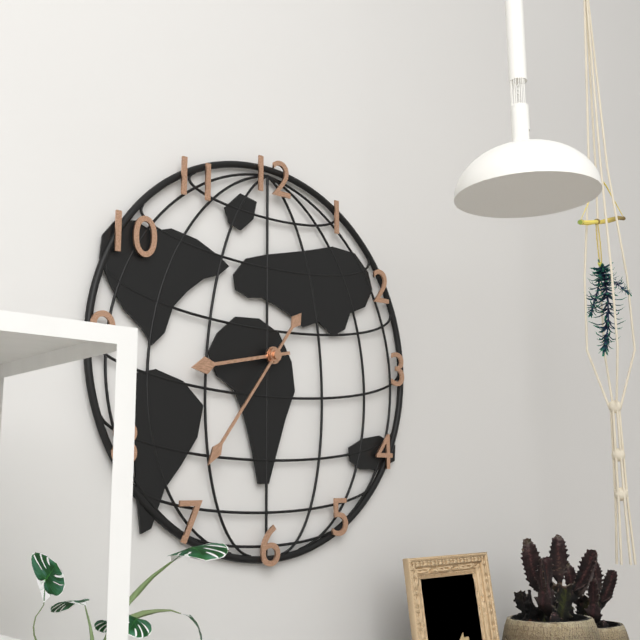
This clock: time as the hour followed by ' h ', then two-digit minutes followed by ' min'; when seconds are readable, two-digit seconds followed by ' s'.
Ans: 8 h 36 min
